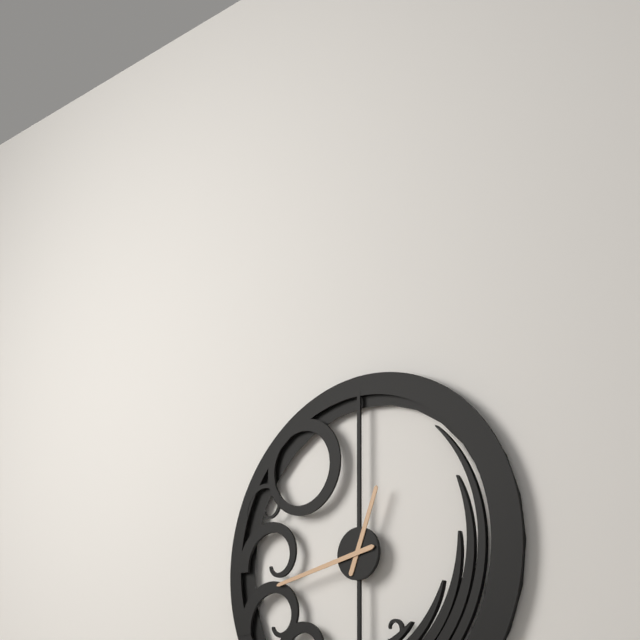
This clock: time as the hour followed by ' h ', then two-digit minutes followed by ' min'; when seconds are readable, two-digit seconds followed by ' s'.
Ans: 12 h 43 min
